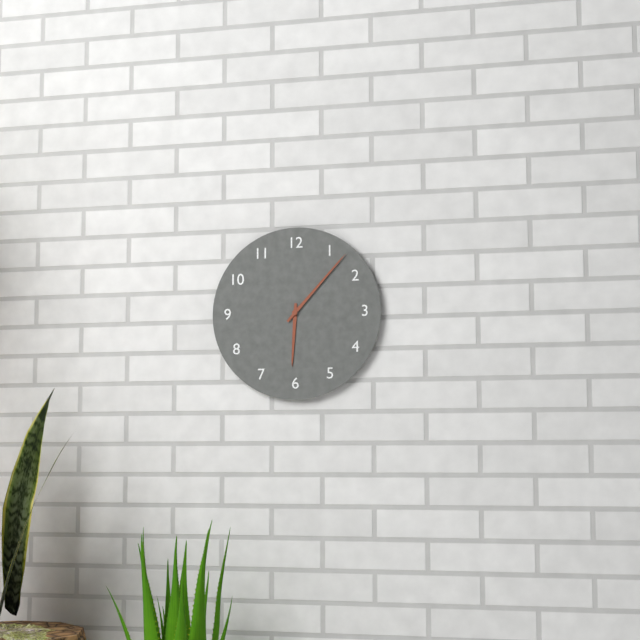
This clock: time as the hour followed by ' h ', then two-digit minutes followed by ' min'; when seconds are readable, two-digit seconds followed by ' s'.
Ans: 6 h 07 min
